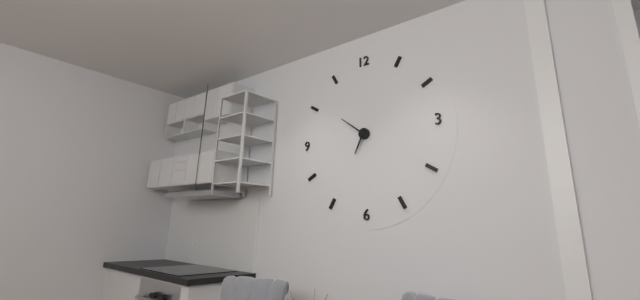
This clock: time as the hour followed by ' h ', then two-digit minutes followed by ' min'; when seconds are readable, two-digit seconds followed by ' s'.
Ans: 6 h 51 min
